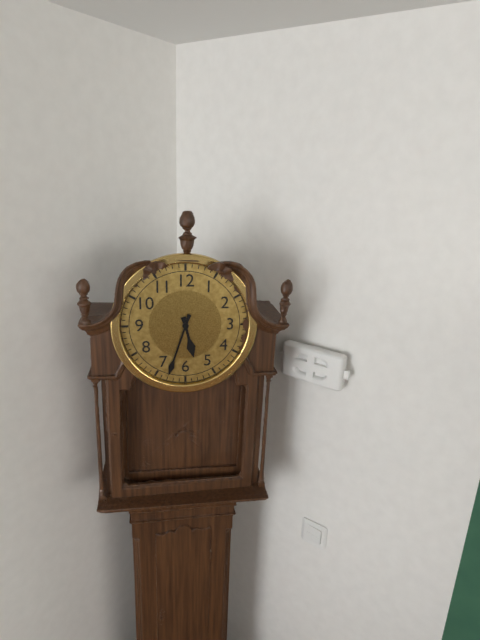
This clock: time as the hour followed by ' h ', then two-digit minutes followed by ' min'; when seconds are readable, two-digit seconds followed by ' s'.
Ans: 5 h 33 min
